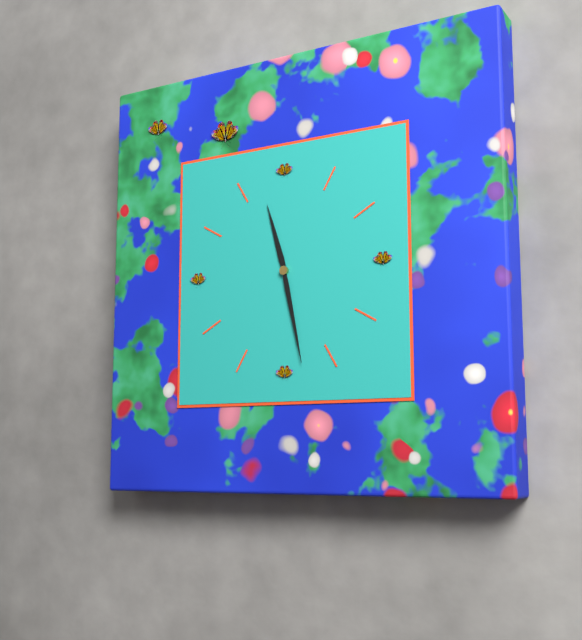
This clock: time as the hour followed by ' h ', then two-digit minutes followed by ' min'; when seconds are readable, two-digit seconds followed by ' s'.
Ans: 11 h 28 min
